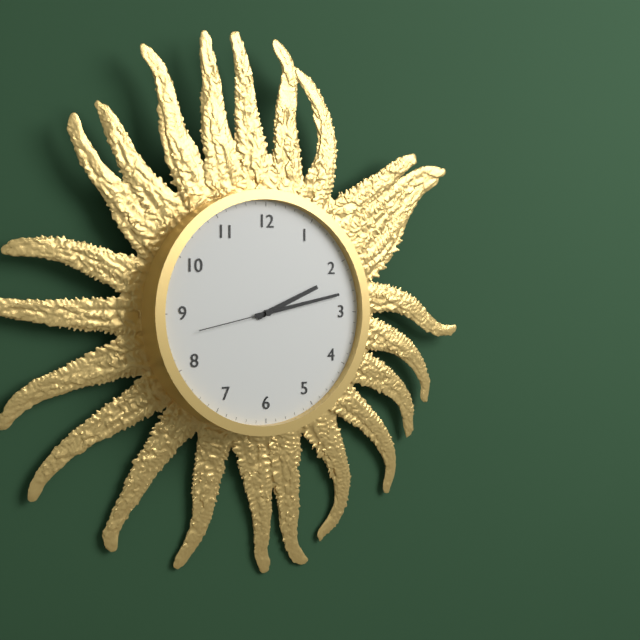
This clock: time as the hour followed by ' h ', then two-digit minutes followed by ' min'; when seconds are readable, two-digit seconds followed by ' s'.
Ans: 2 h 13 min 43 s
